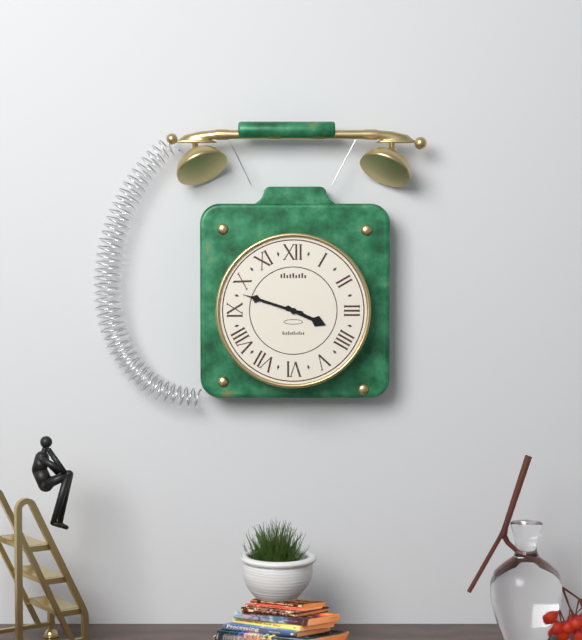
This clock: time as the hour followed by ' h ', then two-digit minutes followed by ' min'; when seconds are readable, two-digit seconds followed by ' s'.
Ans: 3 h 48 min
